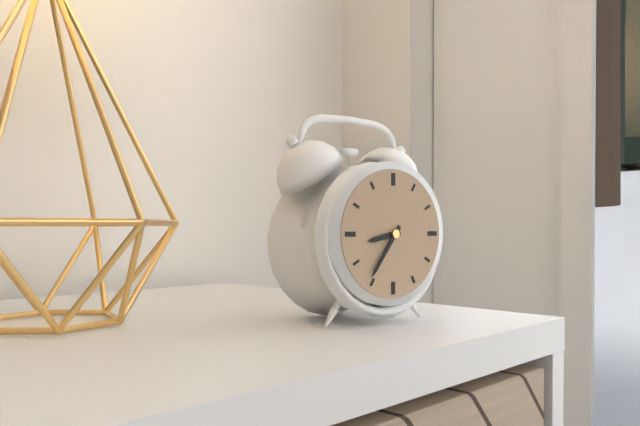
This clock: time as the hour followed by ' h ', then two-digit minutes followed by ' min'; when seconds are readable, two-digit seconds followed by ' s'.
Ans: 8 h 36 min
